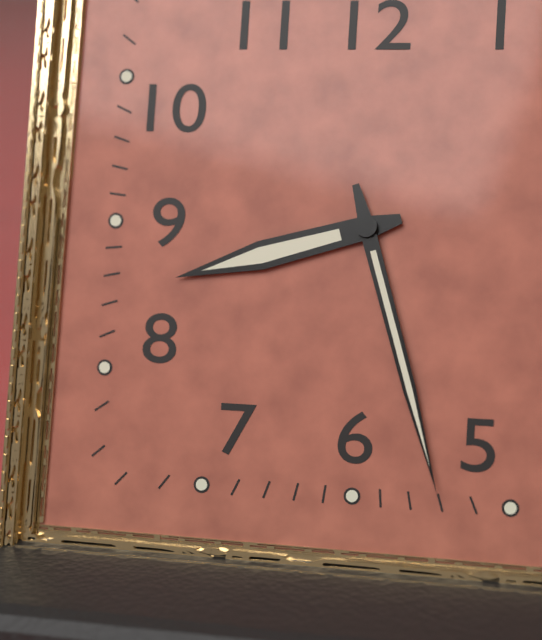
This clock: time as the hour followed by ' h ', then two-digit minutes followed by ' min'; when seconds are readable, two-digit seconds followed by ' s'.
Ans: 8 h 27 min
